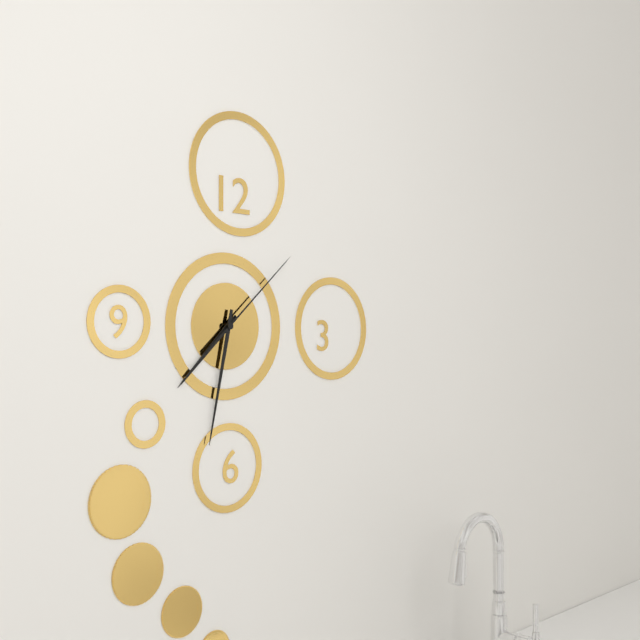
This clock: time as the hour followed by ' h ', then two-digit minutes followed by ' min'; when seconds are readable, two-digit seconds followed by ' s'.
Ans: 7 h 32 min 08 s
